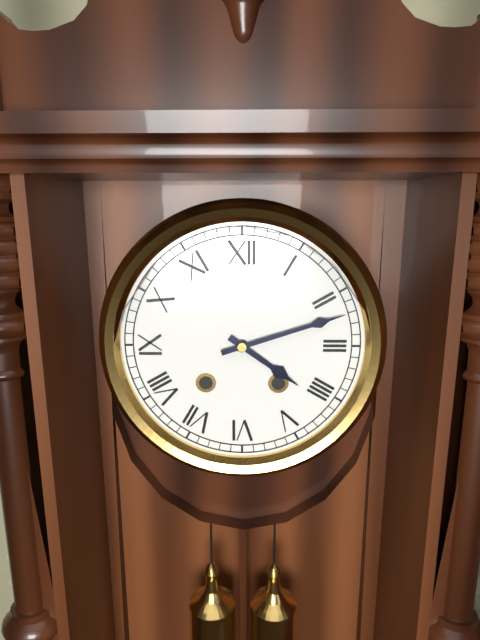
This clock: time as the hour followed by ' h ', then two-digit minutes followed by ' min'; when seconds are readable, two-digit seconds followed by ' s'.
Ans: 4 h 12 min
